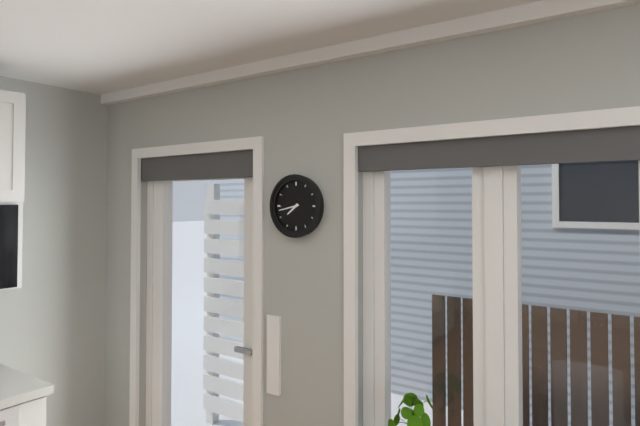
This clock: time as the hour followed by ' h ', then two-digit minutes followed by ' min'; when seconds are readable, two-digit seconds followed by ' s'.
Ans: 7 h 43 min
